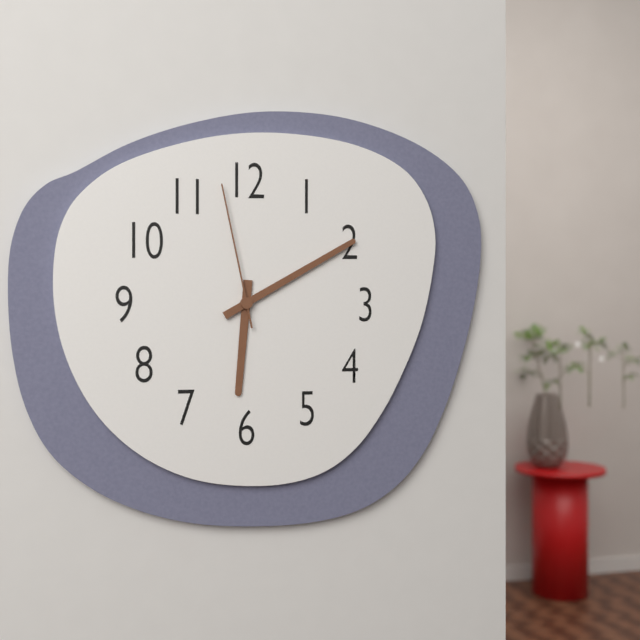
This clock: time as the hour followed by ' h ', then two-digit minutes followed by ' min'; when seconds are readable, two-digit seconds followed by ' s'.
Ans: 6 h 10 min 58 s
